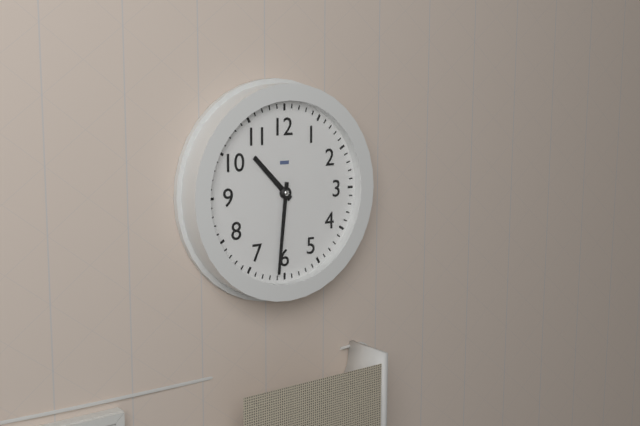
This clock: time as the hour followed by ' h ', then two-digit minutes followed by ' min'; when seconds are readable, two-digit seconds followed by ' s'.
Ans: 10 h 31 min
